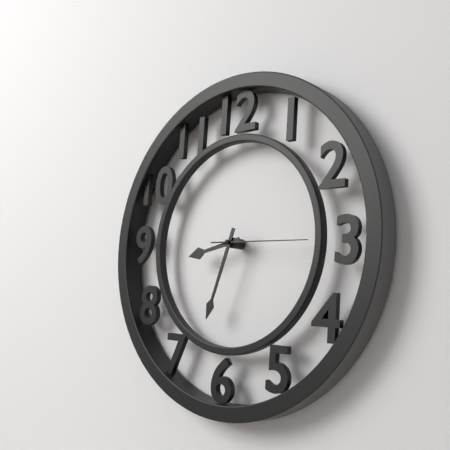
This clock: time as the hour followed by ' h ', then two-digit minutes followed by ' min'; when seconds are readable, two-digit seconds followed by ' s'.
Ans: 8 h 33 min 15 s
